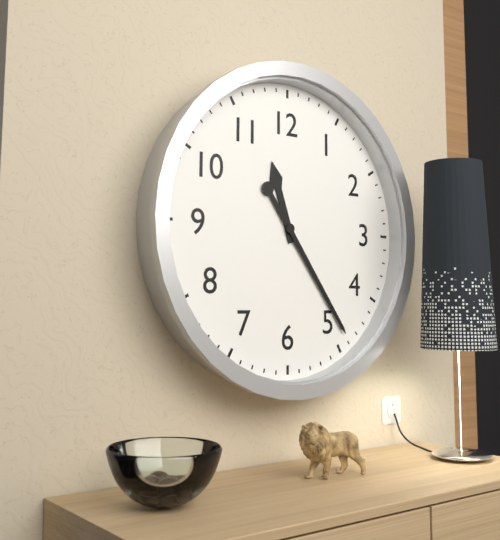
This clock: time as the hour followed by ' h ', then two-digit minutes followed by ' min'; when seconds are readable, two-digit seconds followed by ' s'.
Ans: 11 h 24 min
